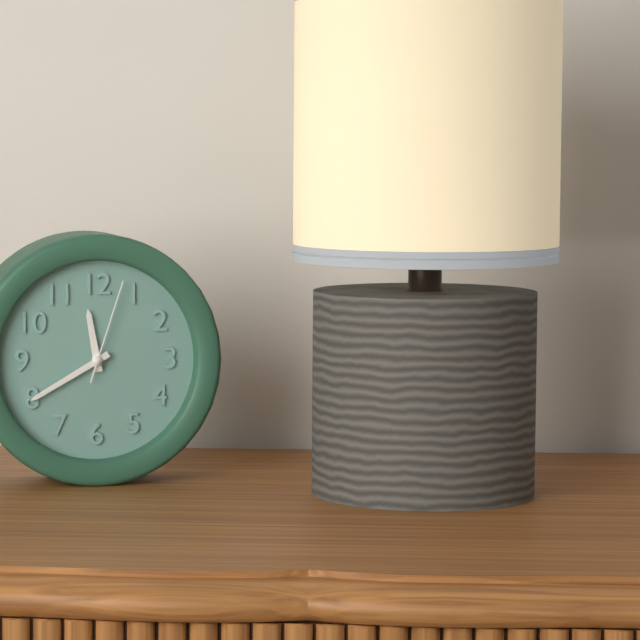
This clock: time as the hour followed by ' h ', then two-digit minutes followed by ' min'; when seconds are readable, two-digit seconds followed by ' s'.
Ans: 11 h 40 min 03 s
